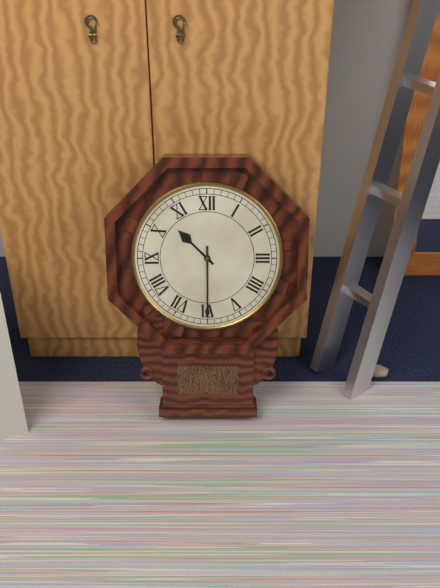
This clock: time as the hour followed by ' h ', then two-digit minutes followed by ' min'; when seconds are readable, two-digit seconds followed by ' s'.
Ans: 10 h 30 min
